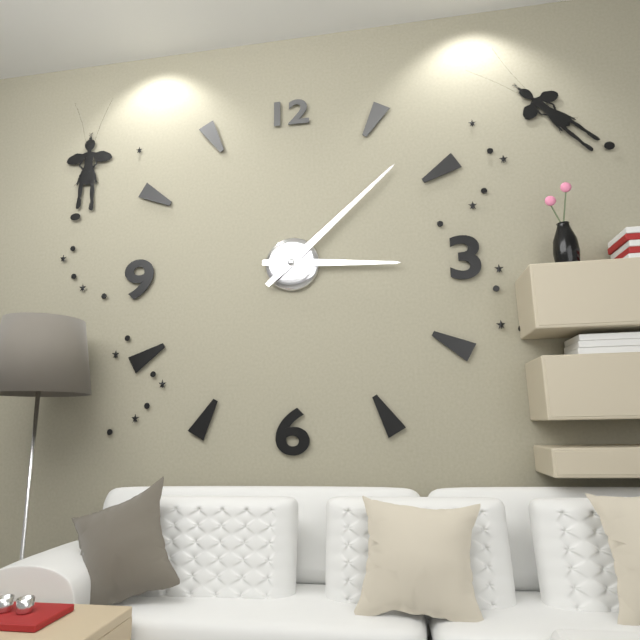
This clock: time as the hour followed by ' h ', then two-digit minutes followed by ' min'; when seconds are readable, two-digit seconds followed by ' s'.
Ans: 3 h 08 min
